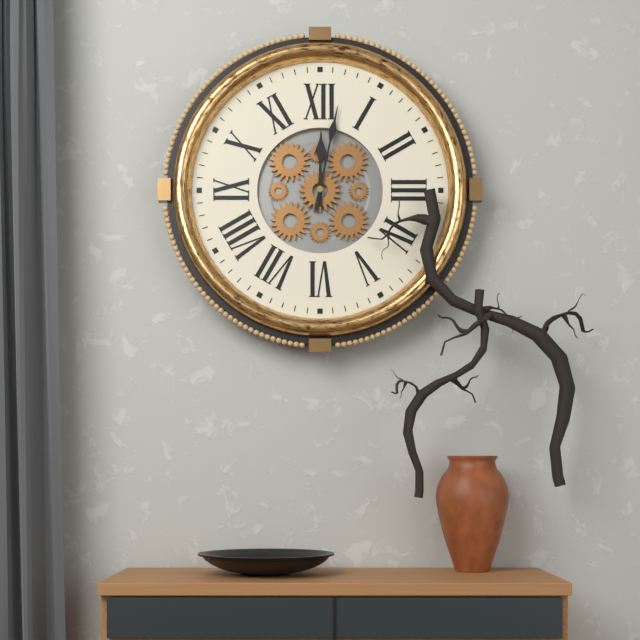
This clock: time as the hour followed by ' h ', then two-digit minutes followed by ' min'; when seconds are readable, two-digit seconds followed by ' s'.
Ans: 12 h 02 min
